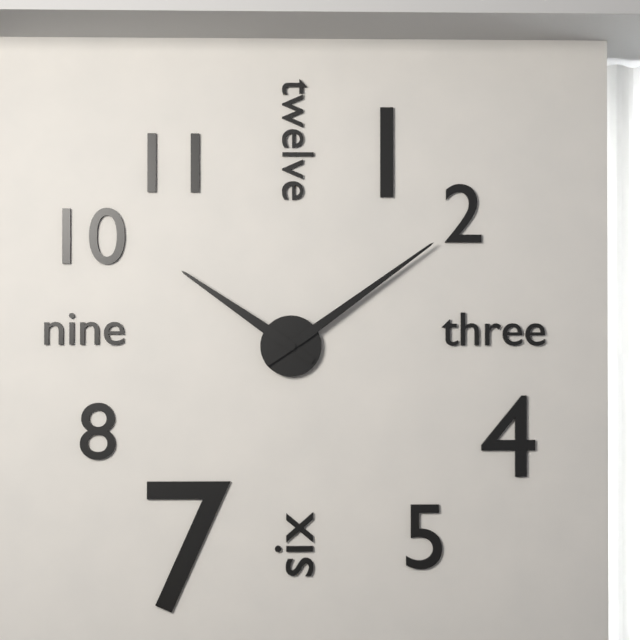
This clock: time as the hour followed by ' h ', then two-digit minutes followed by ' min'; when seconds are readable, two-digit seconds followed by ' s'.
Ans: 10 h 09 min
